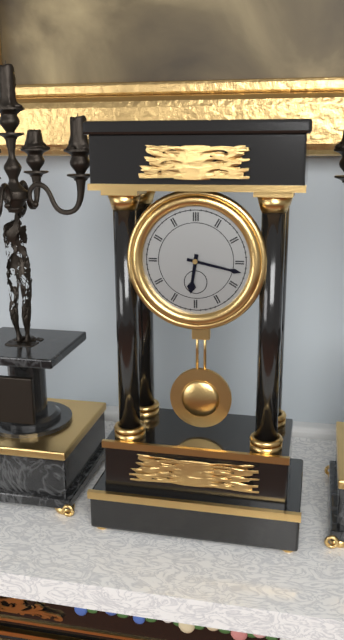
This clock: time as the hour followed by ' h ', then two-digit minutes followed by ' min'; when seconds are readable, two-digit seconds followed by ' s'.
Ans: 6 h 17 min
